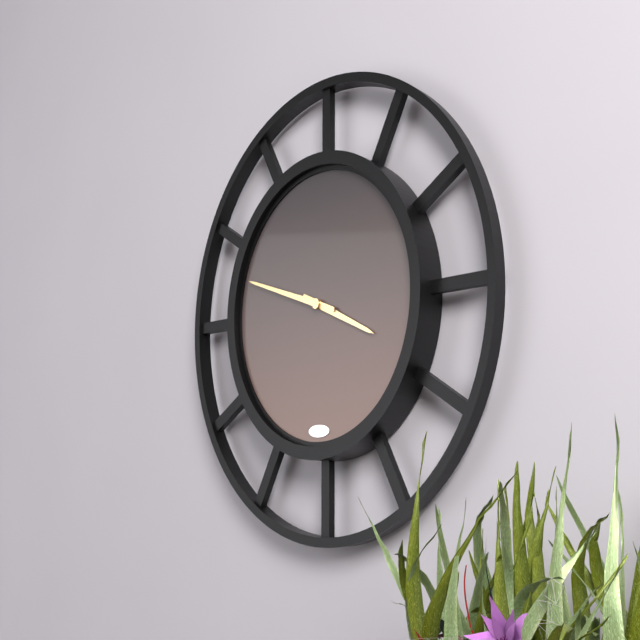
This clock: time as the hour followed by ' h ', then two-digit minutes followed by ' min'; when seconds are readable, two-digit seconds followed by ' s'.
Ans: 3 h 48 min
